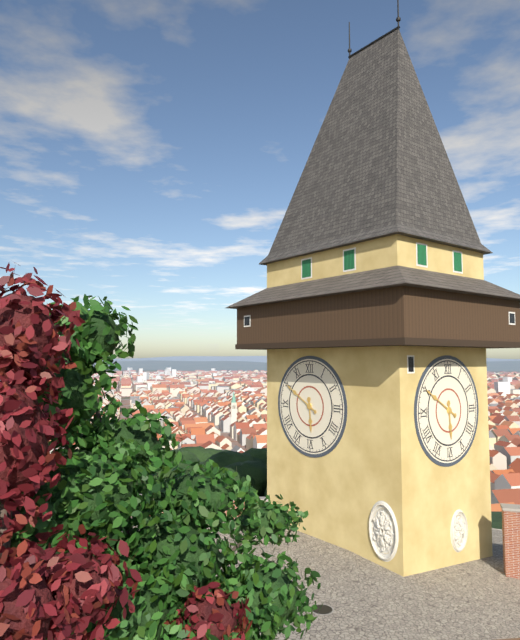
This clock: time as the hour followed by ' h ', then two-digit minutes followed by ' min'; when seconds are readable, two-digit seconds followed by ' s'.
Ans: 5 h 50 min
